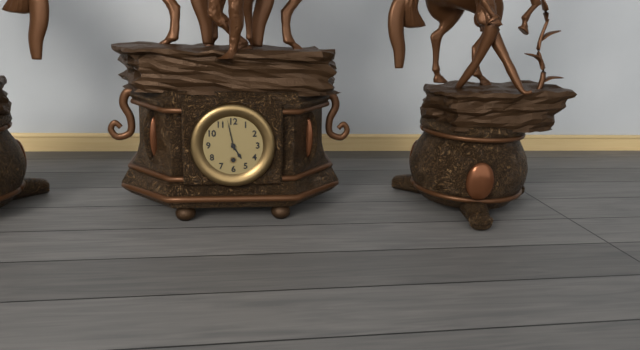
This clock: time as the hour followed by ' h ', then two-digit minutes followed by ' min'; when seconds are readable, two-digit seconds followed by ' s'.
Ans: 4 h 58 min
